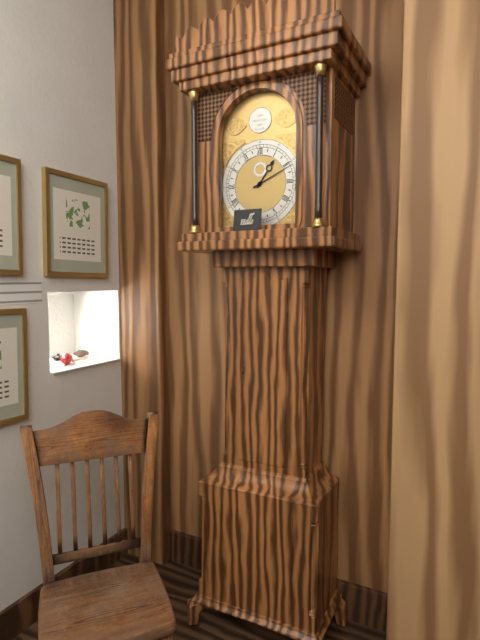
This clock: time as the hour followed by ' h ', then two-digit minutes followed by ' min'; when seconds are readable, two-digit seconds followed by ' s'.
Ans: 1 h 11 min
